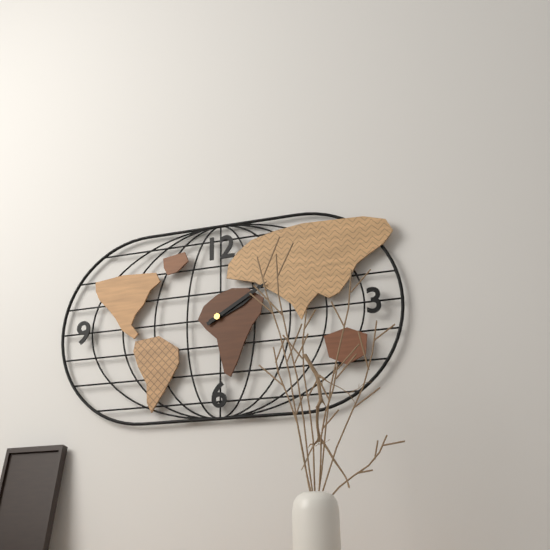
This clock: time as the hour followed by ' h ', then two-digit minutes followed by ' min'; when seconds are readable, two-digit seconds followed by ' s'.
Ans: 2 h 10 min
